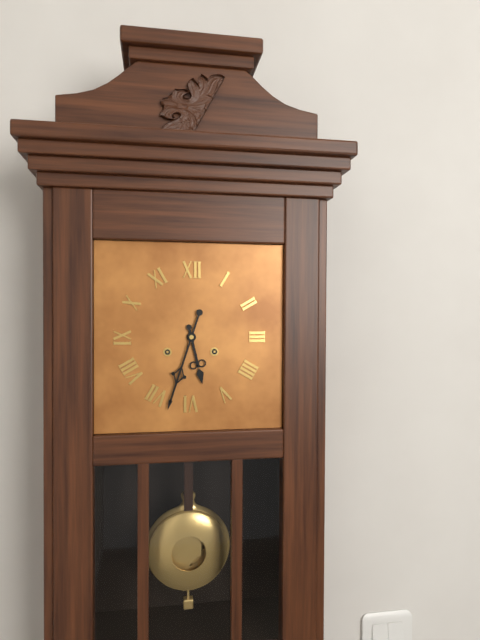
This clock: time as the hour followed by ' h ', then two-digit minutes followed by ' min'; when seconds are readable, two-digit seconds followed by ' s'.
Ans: 5 h 33 min
